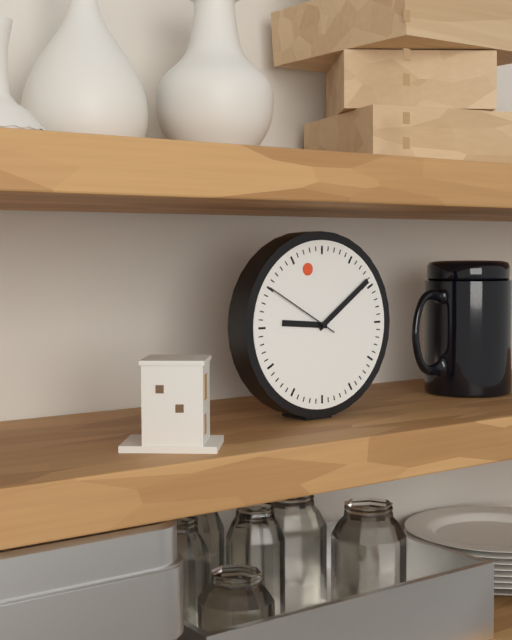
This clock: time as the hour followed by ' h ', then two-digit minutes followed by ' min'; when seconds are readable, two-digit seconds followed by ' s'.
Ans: 9 h 09 min 50 s
